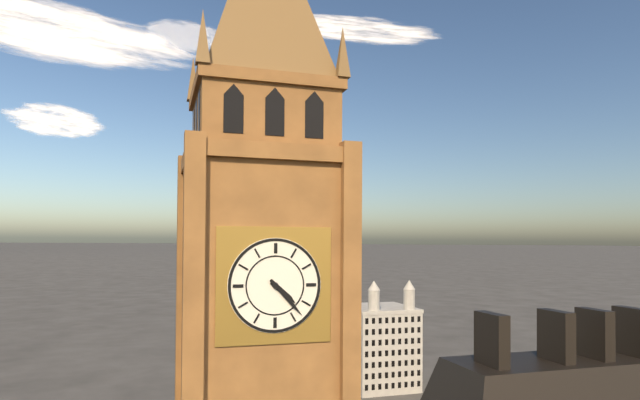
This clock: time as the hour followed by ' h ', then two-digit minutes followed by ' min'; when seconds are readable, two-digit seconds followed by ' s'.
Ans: 4 h 23 min
